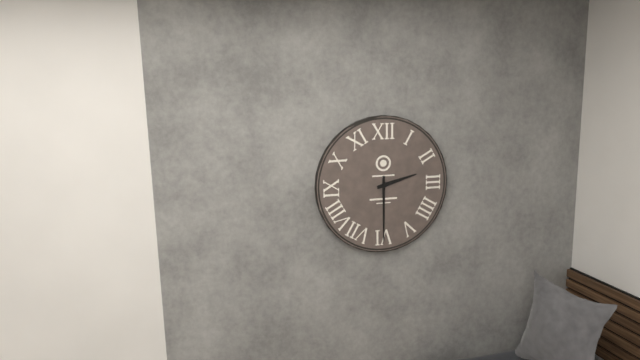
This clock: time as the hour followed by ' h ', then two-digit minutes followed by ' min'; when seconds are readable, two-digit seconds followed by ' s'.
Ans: 2 h 30 min
